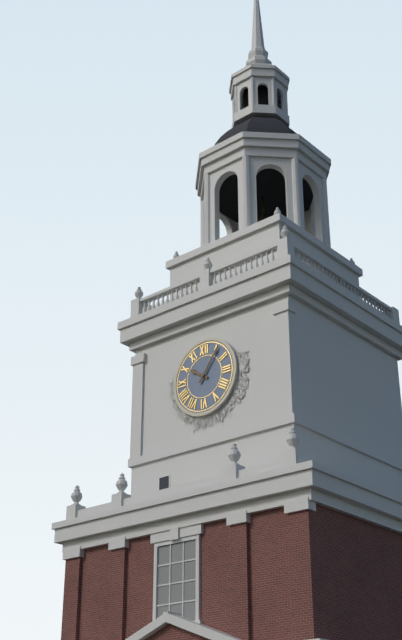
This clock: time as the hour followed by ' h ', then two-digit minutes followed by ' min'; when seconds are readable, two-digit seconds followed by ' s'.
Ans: 10 h 06 min
